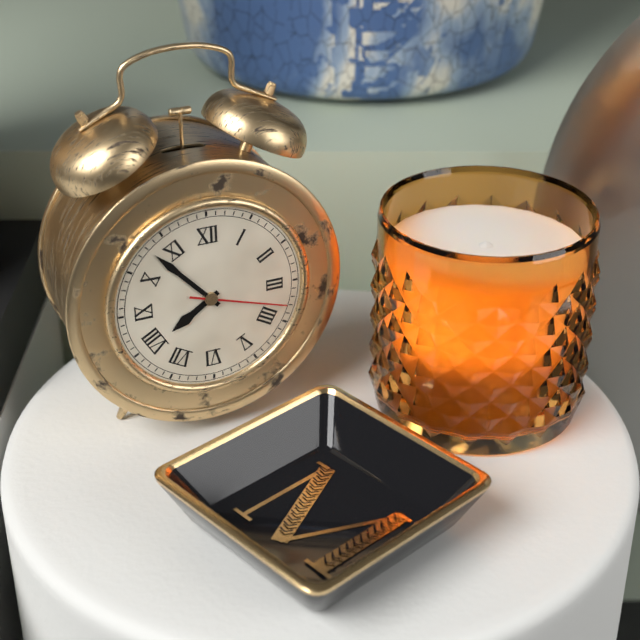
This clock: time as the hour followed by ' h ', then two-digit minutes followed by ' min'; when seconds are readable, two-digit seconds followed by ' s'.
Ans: 7 h 53 min 18 s
